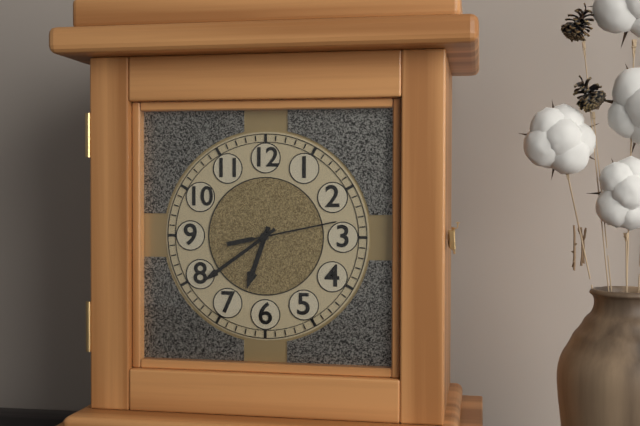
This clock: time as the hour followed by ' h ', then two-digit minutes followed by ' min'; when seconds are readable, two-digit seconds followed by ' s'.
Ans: 6 h 39 min 13 s
